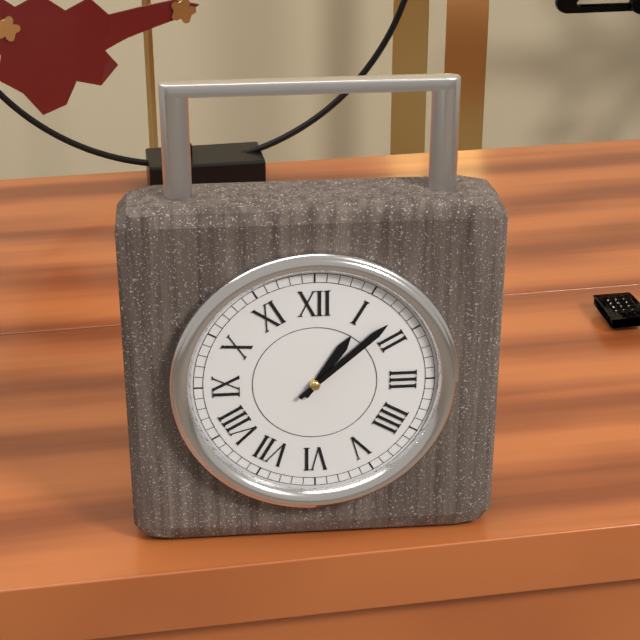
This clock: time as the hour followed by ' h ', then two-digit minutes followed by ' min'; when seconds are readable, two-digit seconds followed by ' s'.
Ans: 1 h 08 min
